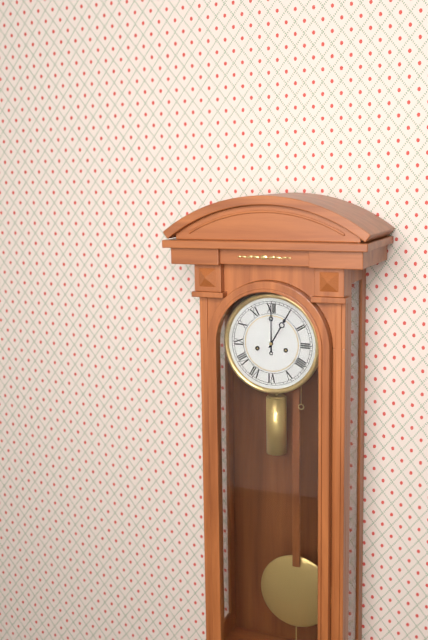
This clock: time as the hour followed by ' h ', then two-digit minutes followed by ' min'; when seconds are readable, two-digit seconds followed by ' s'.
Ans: 1 h 00 min
